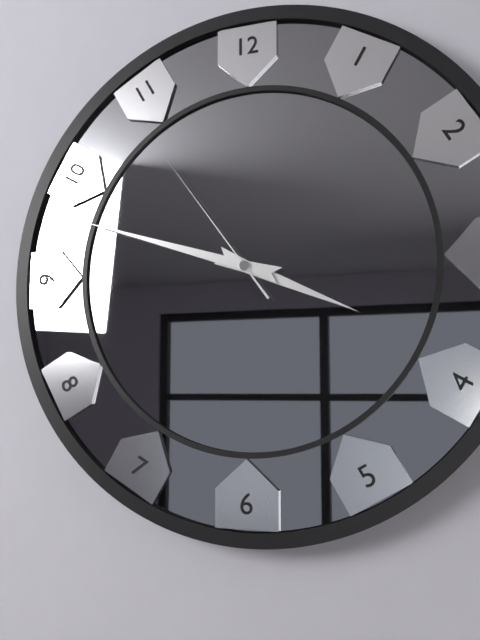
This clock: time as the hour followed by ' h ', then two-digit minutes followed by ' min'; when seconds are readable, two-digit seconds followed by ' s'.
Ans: 3 h 48 min 54 s
